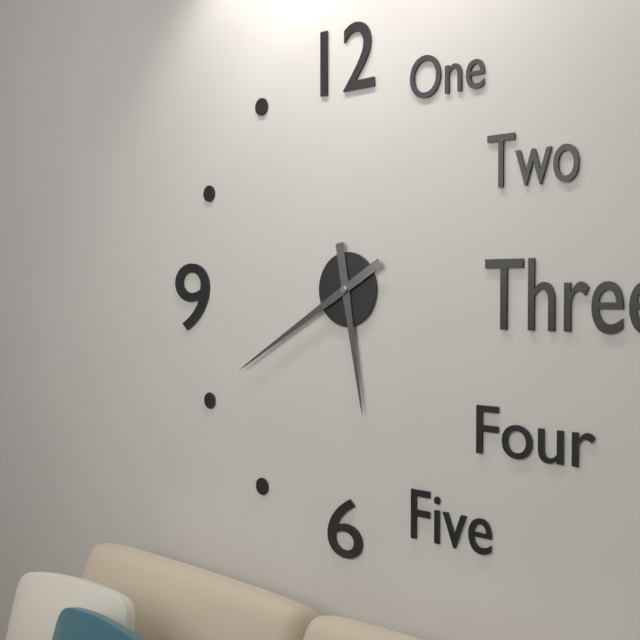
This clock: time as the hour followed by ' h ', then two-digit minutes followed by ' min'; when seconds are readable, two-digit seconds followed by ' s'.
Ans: 5 h 40 min
